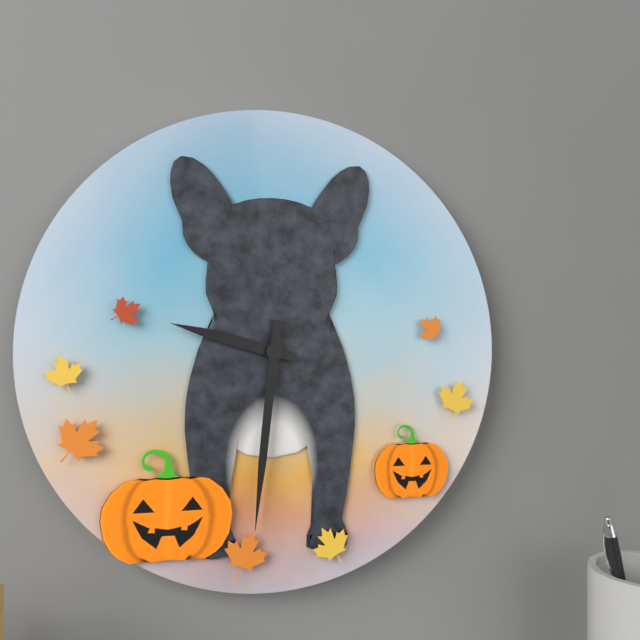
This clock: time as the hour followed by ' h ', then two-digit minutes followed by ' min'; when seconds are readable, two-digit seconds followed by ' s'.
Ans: 9 h 31 min
